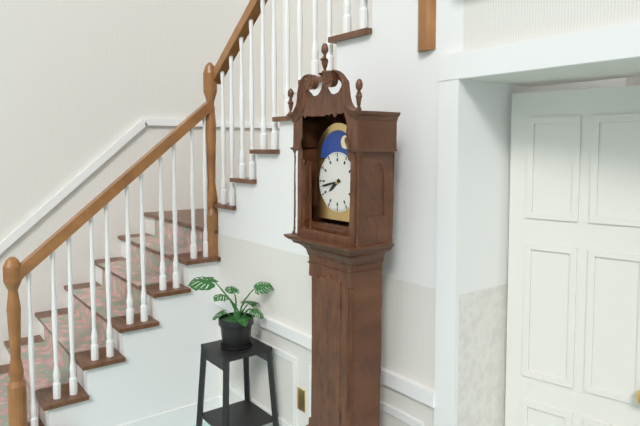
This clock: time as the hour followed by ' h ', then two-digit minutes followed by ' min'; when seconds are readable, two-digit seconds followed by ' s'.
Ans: 7 h 43 min
